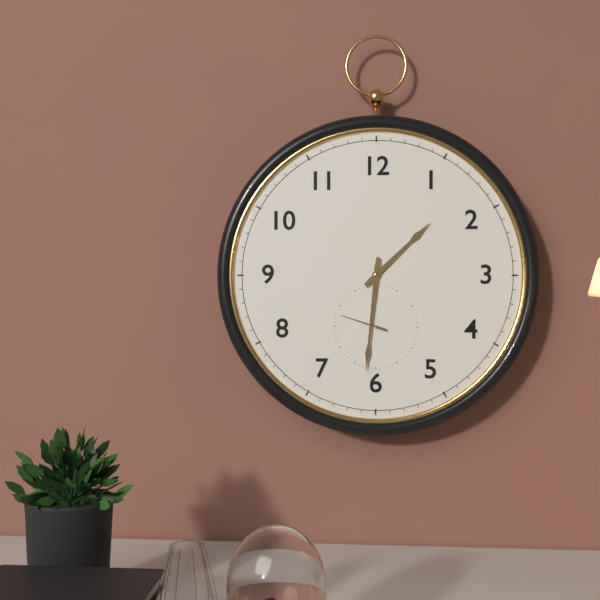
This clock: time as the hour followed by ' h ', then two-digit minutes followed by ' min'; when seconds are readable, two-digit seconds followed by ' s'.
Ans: 1 h 31 min
